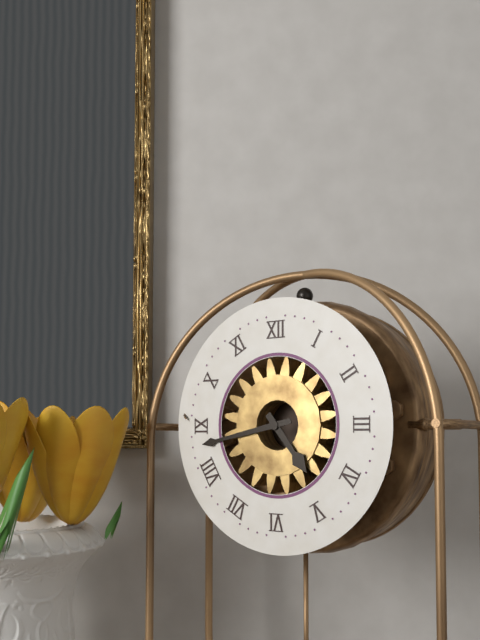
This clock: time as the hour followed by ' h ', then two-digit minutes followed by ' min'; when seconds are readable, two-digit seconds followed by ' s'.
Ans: 4 h 43 min
